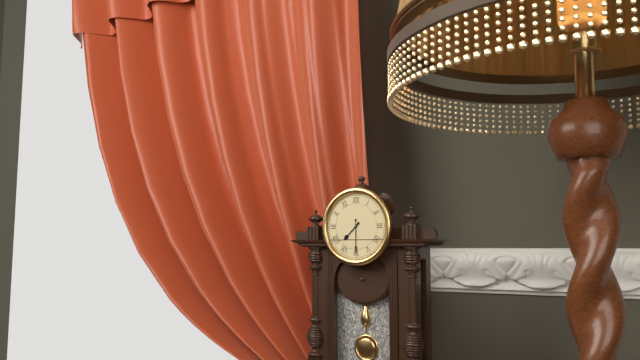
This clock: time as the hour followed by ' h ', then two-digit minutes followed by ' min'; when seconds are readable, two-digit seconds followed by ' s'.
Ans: 7 h 30 min
